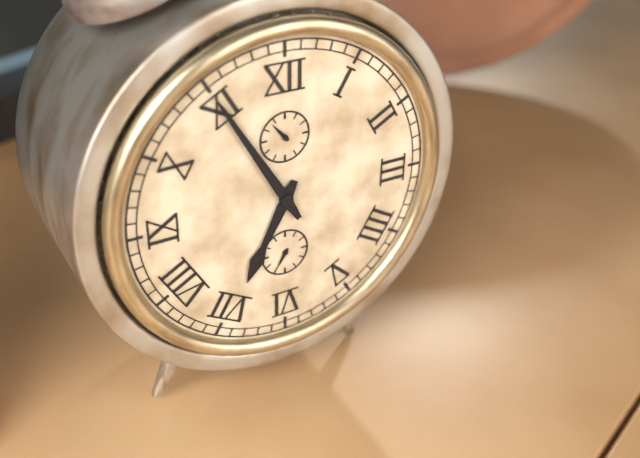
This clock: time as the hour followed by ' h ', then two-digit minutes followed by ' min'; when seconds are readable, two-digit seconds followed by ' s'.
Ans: 6 h 55 min
